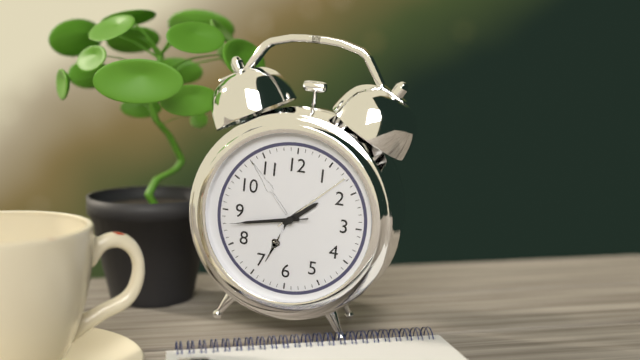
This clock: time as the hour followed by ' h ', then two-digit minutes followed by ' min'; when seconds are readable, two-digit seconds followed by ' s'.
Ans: 1 h 43 min 43 s
